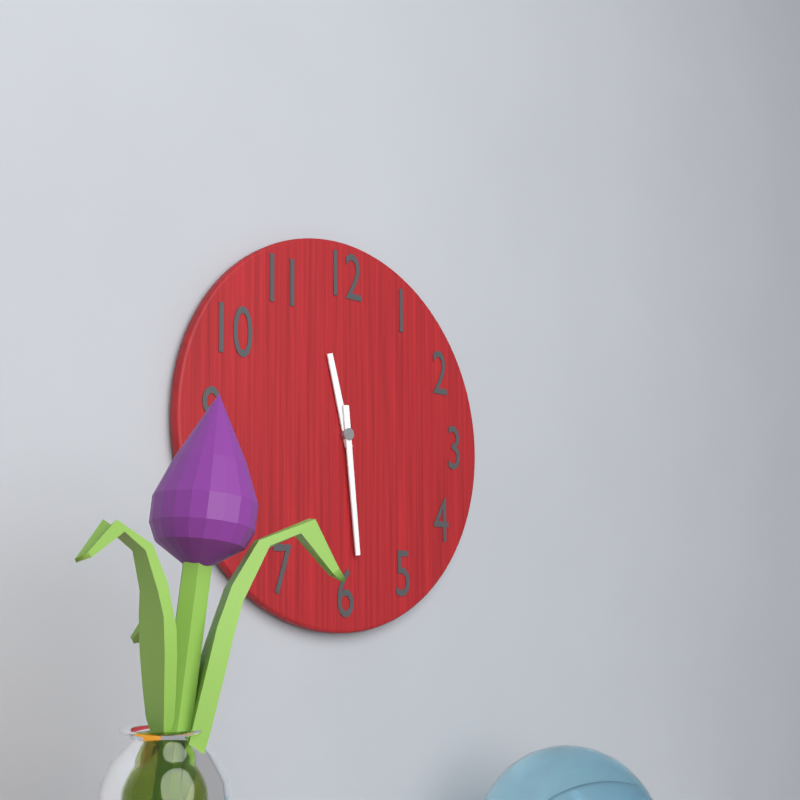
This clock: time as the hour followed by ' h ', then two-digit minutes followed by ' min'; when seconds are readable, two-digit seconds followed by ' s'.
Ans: 11 h 29 min
